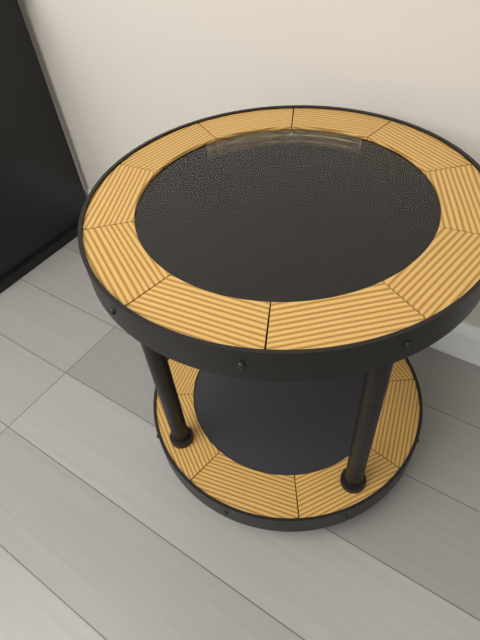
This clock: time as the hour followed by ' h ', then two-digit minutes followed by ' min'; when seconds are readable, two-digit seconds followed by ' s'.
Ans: 1 h 13 min
